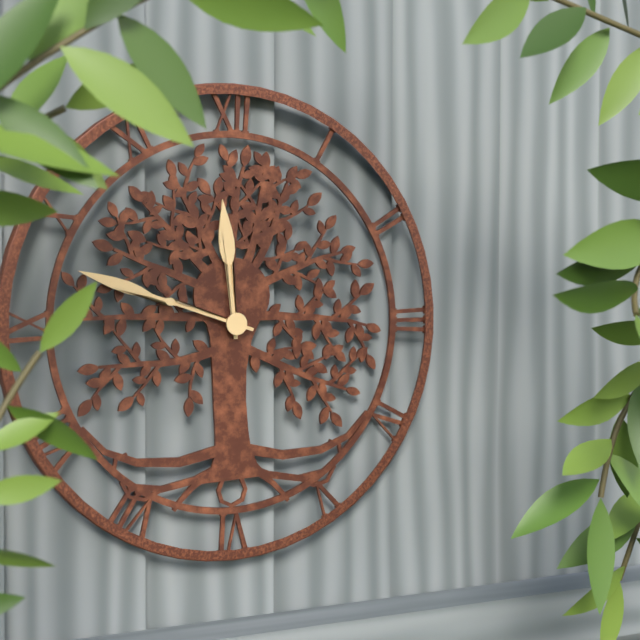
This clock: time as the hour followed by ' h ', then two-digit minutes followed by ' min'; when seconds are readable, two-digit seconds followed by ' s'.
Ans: 11 h 48 min
